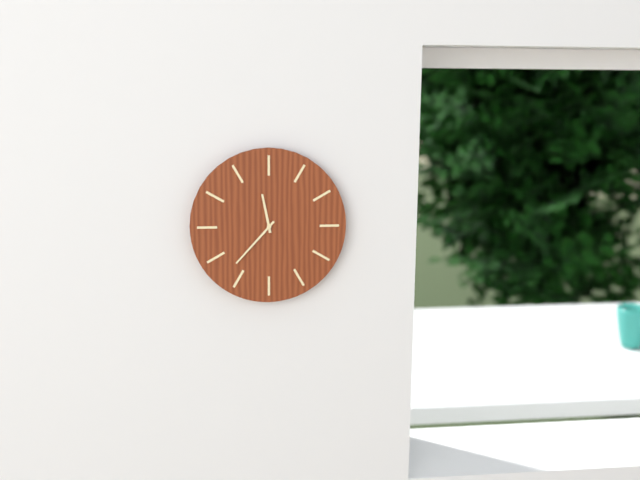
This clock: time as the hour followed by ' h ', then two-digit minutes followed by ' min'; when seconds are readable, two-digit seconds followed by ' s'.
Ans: 11 h 37 min
